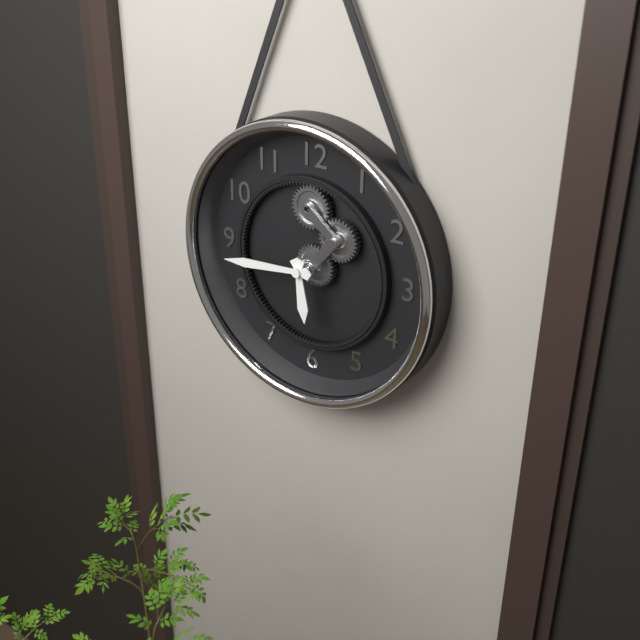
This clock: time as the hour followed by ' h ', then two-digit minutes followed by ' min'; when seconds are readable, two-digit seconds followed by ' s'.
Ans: 5 h 44 min
